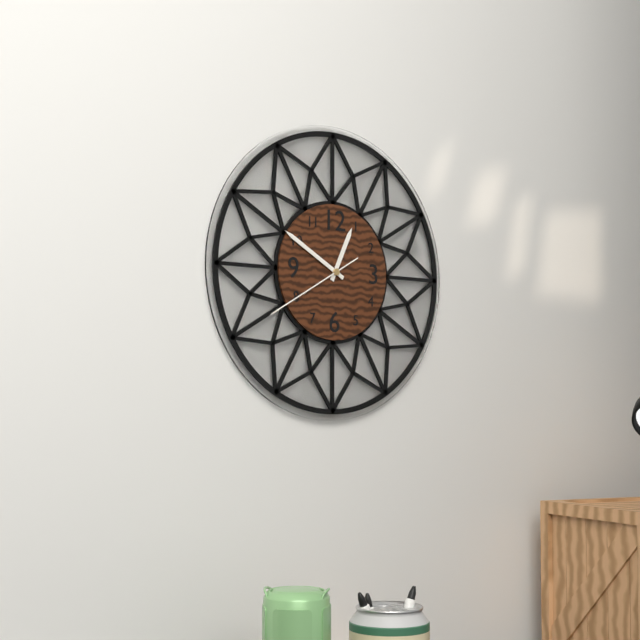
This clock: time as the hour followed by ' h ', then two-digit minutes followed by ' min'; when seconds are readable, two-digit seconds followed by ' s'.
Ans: 12 h 50 min 40 s
